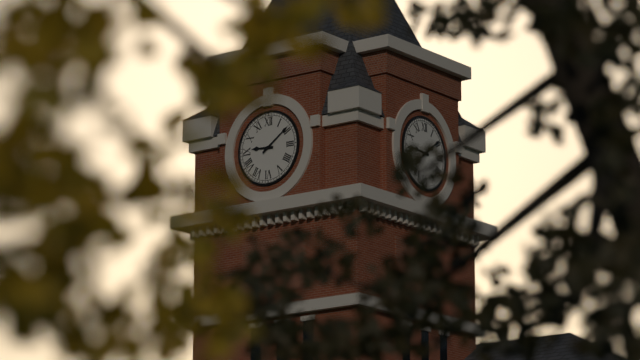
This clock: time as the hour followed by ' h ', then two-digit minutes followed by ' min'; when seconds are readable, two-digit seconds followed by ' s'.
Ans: 9 h 09 min
